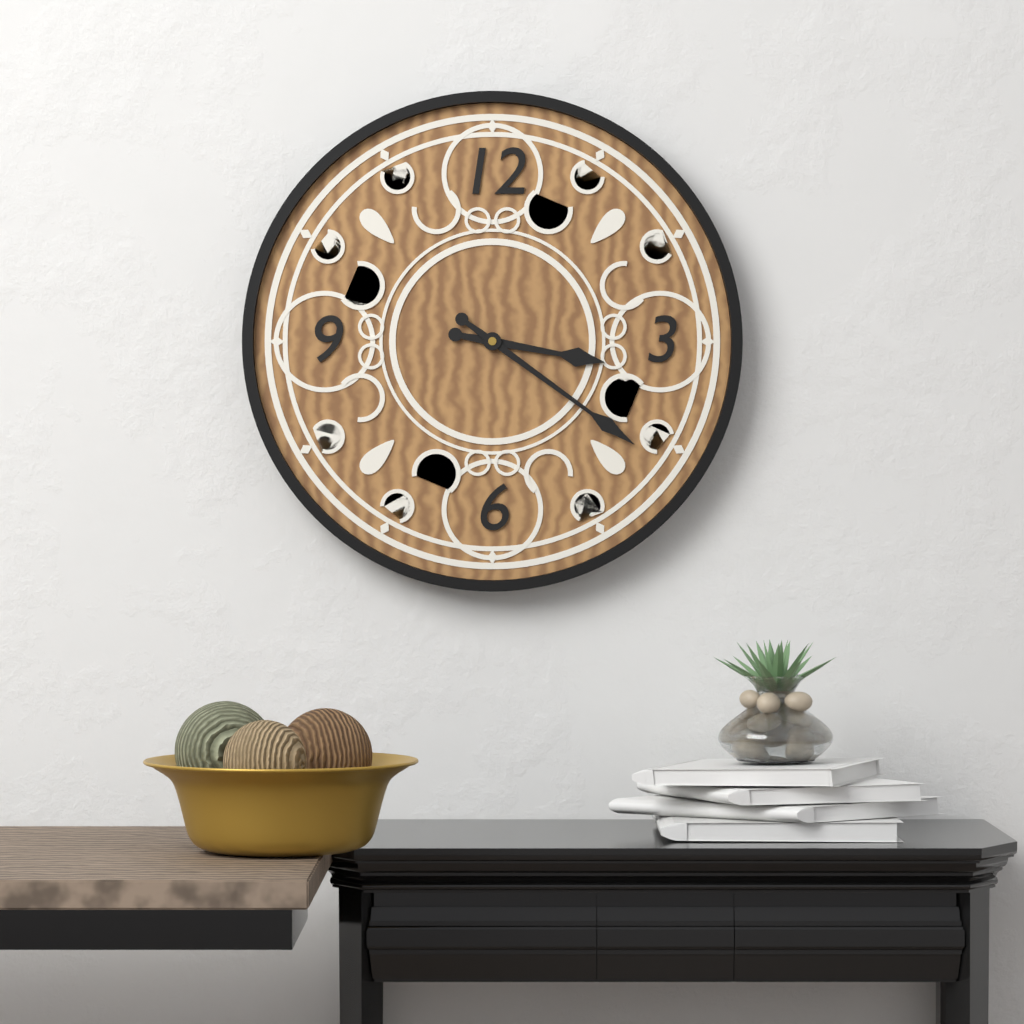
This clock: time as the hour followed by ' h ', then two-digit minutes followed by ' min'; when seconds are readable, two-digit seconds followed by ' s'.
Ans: 3 h 21 min
